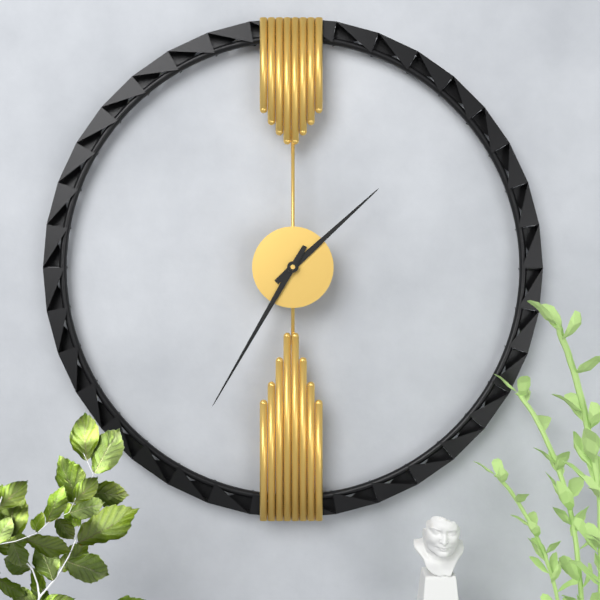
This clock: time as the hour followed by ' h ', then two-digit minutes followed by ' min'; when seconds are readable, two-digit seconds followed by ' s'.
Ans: 1 h 35 min
